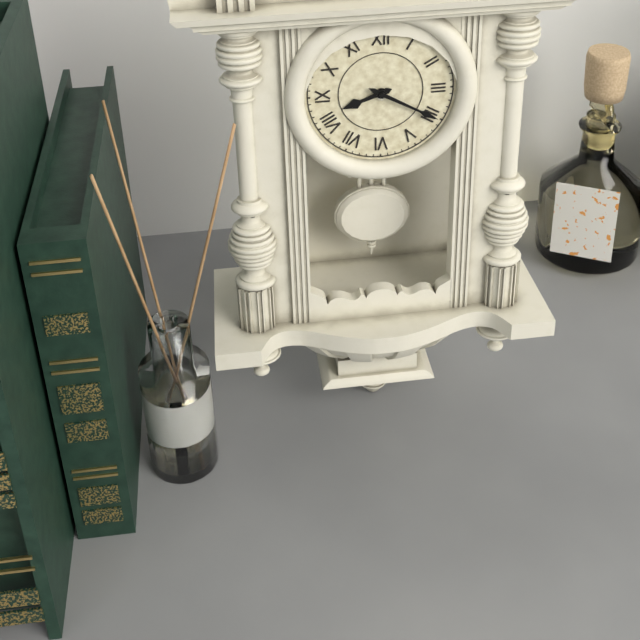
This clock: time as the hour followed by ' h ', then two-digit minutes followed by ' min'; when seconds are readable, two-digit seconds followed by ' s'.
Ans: 8 h 20 min
